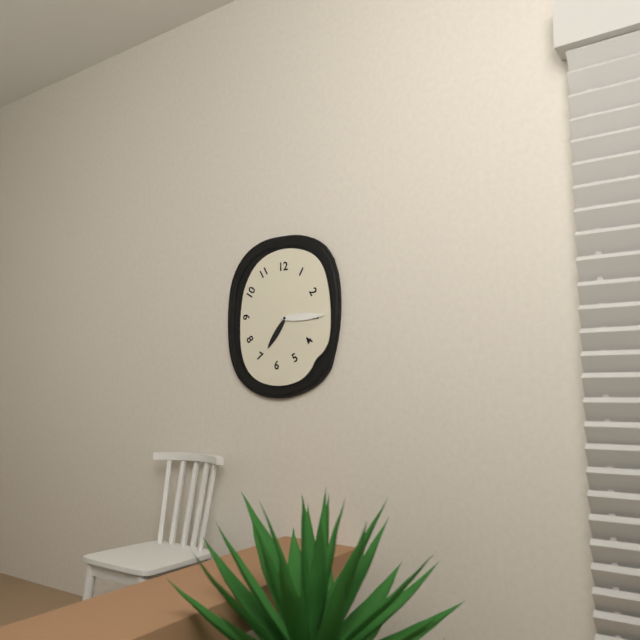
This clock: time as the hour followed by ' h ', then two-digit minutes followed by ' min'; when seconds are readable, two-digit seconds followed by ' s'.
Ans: 7 h 15 min
